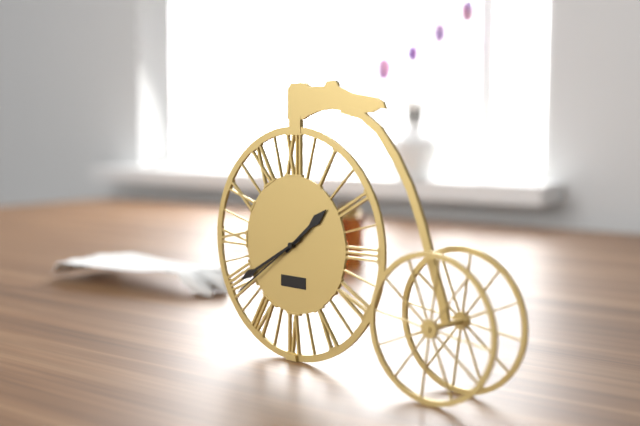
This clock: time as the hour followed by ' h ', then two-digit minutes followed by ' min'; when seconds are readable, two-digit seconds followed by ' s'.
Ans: 1 h 40 min 39 s
